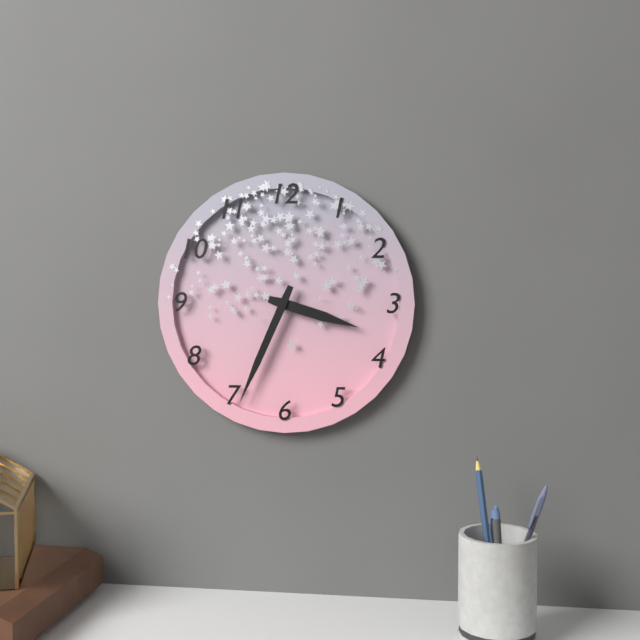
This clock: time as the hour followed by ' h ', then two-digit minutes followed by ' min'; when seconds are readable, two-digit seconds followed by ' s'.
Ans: 3 h 34 min
